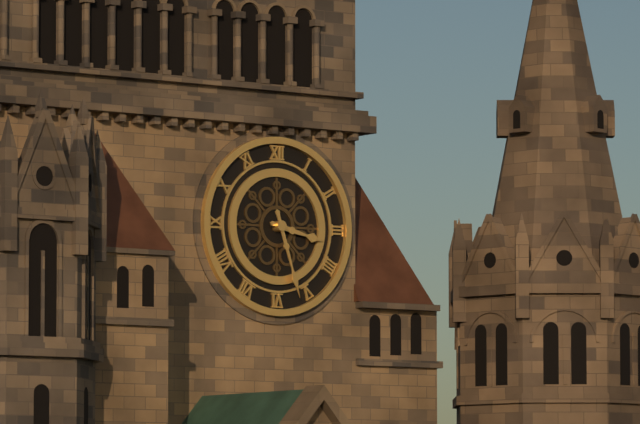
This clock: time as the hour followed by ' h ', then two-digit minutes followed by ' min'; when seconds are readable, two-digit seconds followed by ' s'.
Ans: 3 h 27 min
